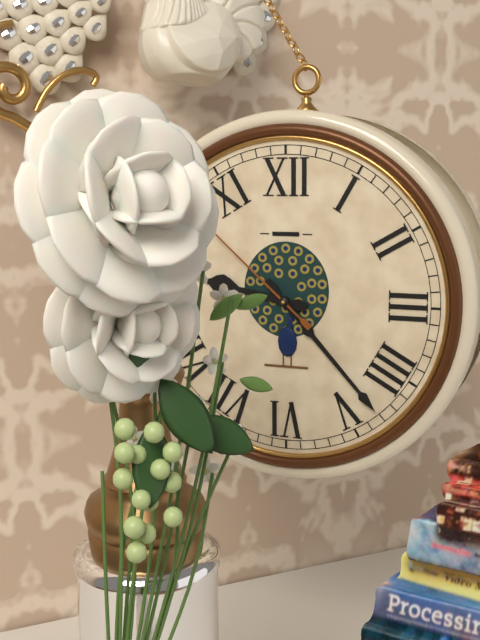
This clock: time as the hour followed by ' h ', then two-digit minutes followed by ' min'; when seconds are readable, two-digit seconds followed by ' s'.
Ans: 9 h 23 min 52 s
